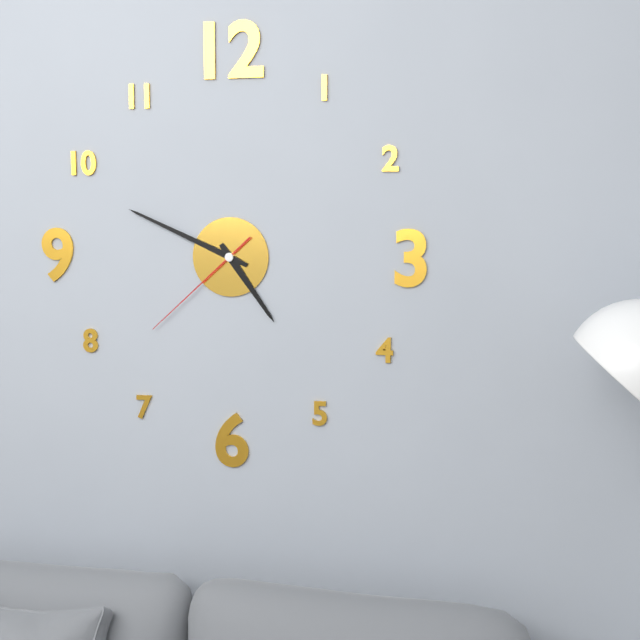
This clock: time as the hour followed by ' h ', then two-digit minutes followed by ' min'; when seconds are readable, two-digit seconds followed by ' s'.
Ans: 4 h 49 min 38 s
